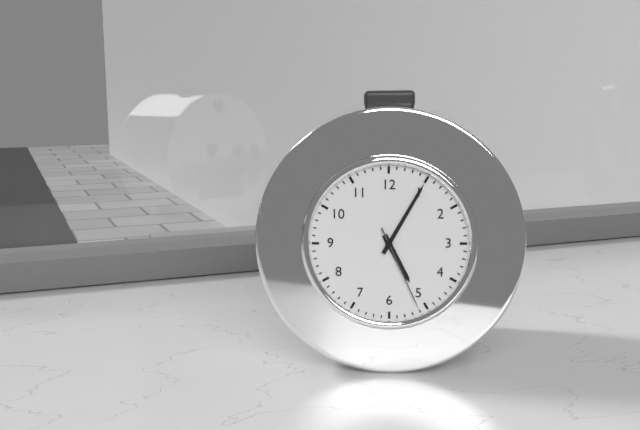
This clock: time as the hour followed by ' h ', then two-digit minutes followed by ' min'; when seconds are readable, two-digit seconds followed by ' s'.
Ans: 5 h 05 min 26 s
